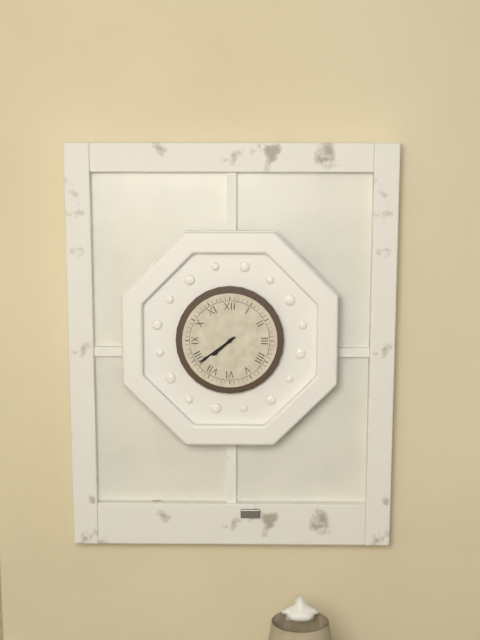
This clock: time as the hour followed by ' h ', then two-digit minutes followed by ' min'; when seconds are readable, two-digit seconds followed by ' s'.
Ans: 7 h 39 min
